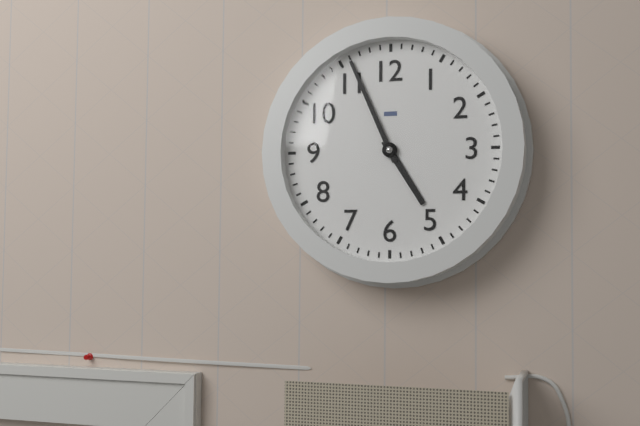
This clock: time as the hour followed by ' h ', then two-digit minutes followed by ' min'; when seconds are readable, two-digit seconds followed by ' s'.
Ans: 4 h 56 min
